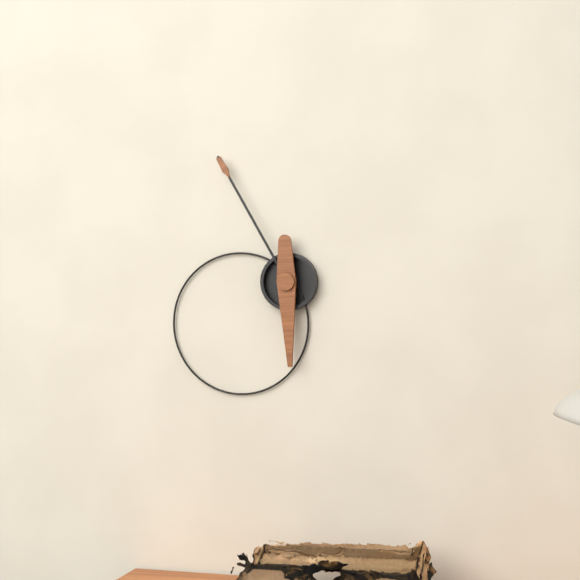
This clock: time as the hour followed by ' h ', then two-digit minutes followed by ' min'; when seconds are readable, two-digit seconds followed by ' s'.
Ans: 5 h 55 min
